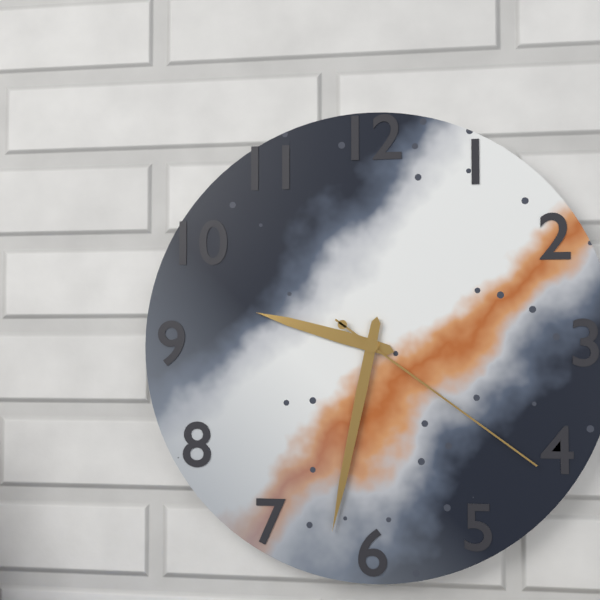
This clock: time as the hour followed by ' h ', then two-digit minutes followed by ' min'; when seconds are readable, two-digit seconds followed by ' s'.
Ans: 9 h 32 min 21 s
